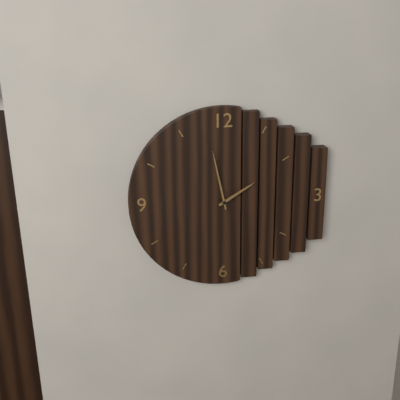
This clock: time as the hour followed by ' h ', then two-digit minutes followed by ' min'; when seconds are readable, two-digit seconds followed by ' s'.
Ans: 1 h 58 min
